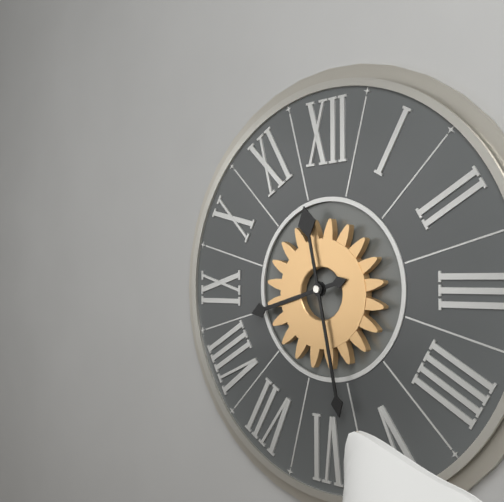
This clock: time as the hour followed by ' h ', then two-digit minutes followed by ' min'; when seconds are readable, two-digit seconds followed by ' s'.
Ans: 8 h 28 min
